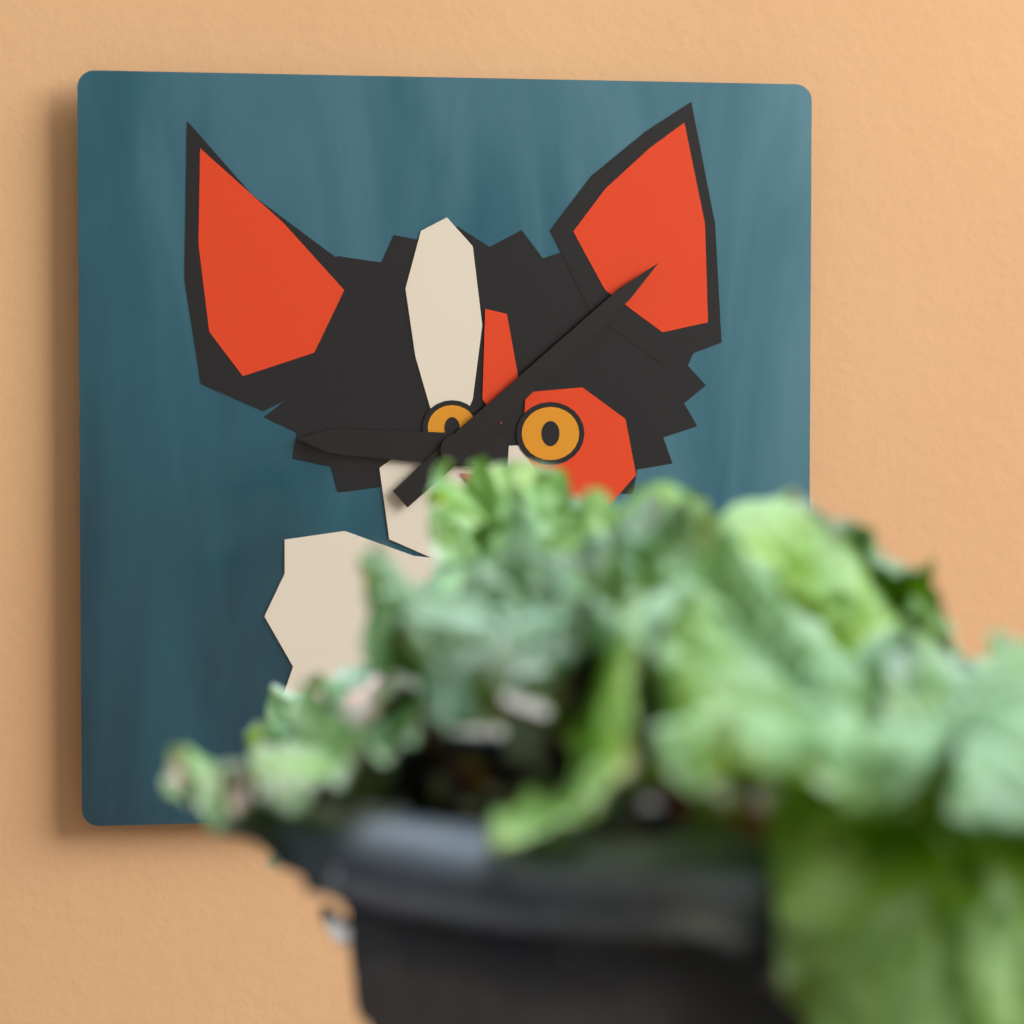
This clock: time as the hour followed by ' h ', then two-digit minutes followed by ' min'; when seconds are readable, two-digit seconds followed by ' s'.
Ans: 9 h 08 min
